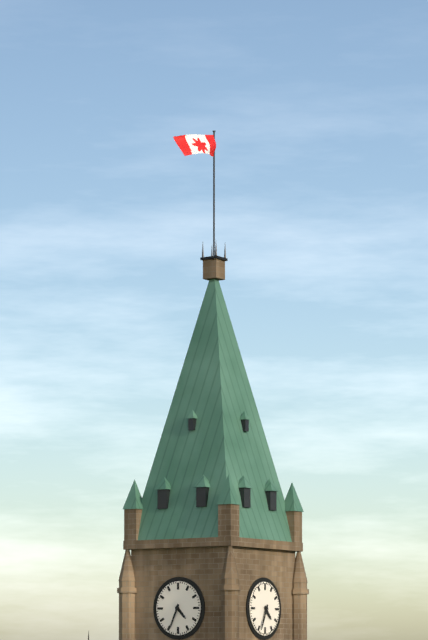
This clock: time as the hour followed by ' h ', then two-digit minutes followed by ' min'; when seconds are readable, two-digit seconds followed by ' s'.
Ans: 4 h 34 min
